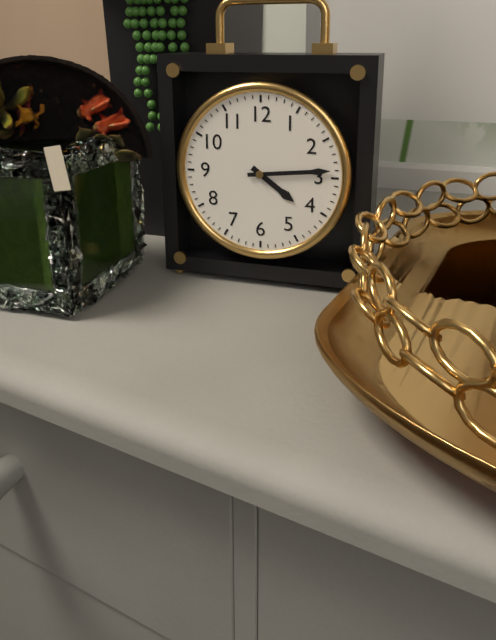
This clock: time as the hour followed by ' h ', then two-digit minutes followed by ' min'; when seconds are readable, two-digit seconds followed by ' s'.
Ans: 4 h 14 min
